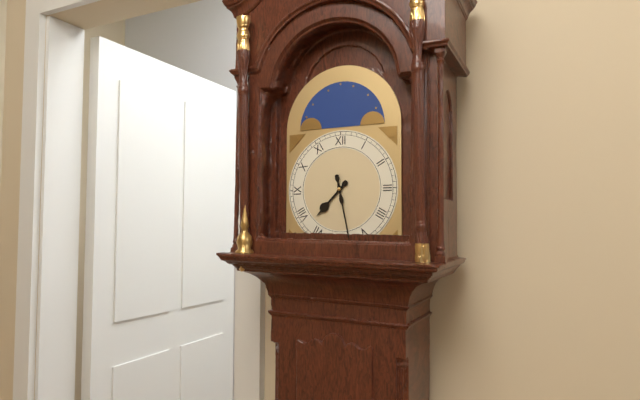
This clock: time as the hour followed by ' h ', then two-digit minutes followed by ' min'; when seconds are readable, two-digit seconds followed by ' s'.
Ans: 7 h 28 min
